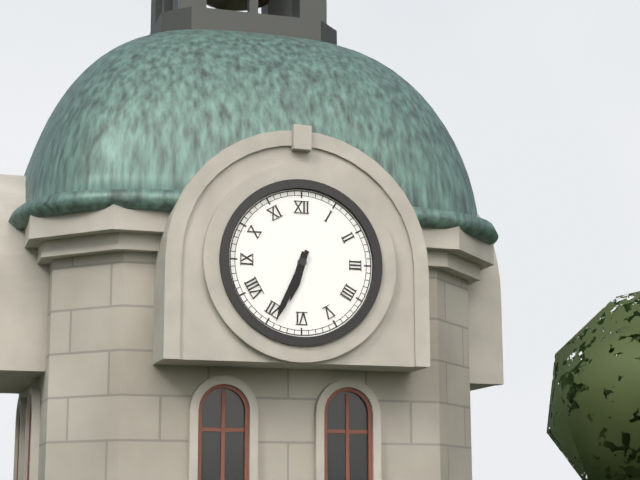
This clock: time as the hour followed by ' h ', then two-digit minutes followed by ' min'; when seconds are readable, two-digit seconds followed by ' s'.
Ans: 6 h 34 min
